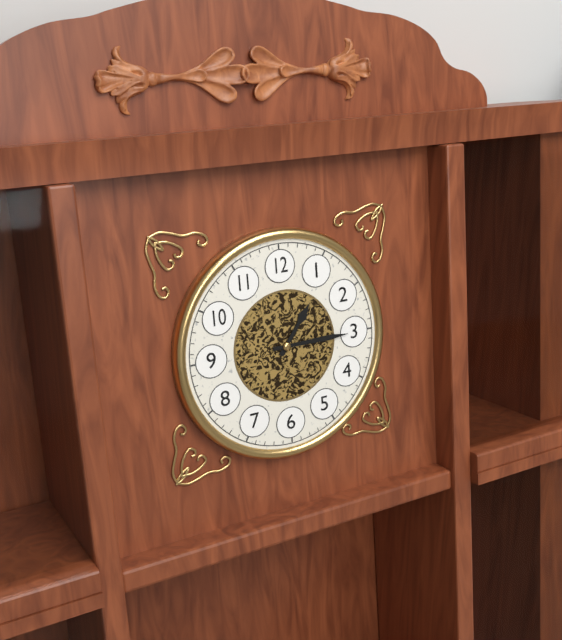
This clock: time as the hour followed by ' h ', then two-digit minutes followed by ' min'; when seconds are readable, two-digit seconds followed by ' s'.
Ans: 1 h 15 min
